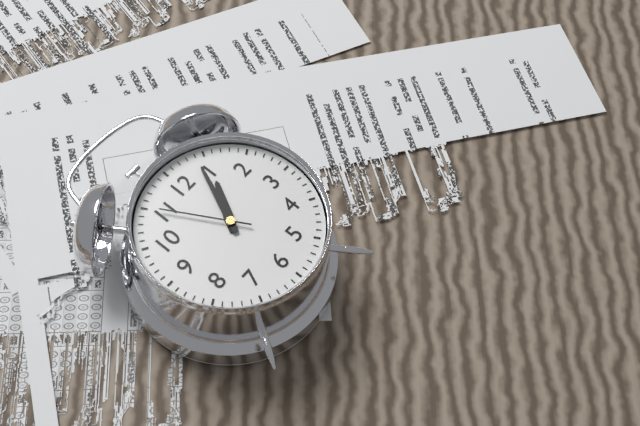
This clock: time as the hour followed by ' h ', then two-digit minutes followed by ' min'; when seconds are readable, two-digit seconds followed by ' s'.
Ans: 1 h 04 min 55 s
